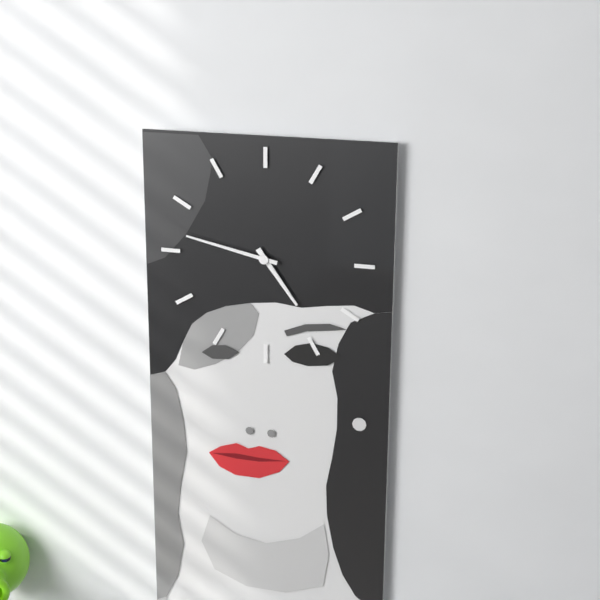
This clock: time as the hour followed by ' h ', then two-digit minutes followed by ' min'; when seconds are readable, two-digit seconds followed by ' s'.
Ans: 4 h 47 min
